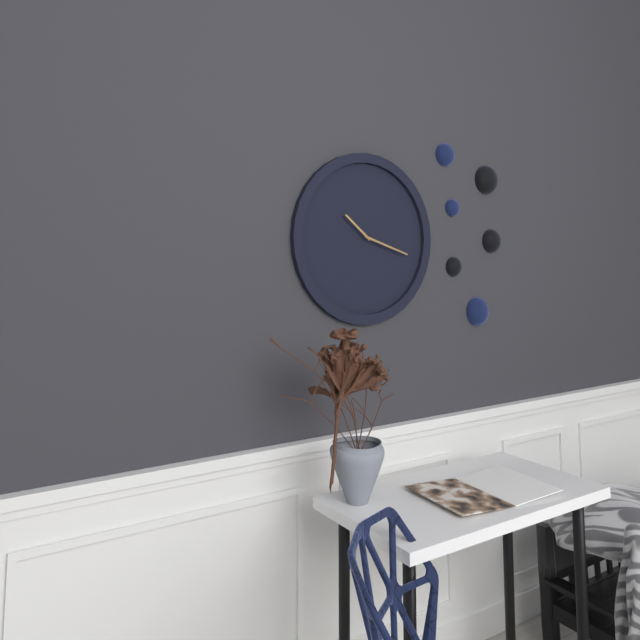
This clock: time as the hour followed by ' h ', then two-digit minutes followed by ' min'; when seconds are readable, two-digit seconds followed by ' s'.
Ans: 10 h 18 min
